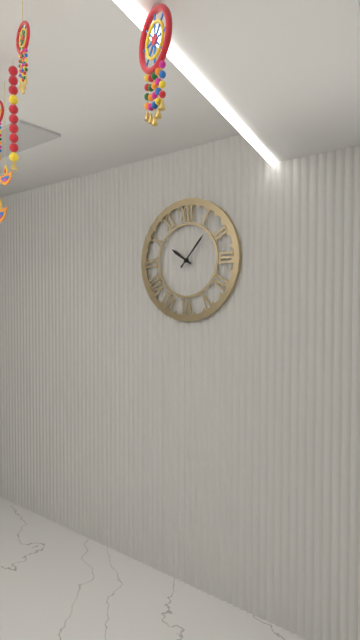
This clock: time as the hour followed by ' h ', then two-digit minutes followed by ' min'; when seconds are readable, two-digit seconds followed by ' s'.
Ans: 10 h 07 min
